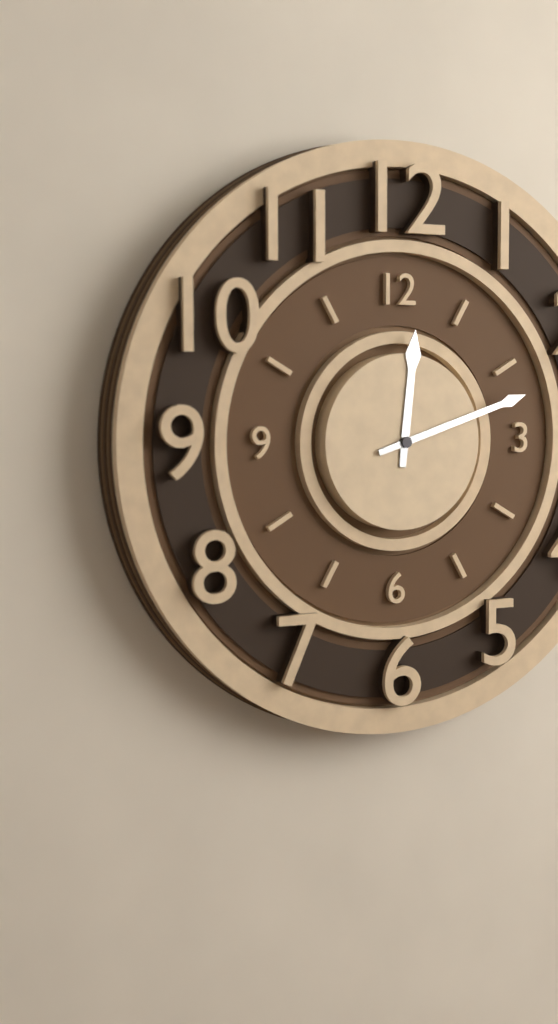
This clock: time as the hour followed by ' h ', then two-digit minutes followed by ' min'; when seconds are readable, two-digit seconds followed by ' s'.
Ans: 12 h 12 min
